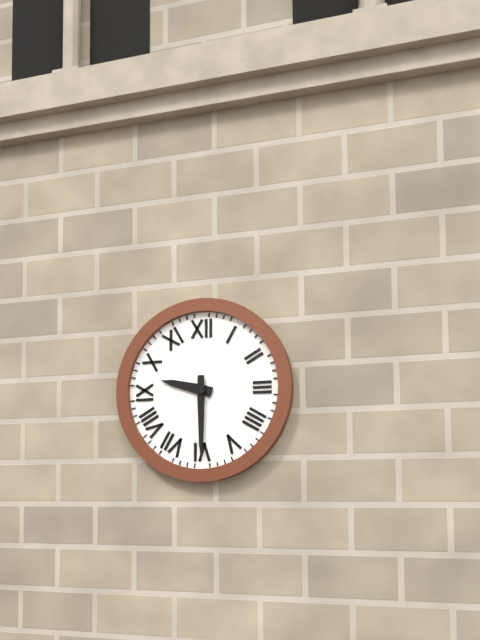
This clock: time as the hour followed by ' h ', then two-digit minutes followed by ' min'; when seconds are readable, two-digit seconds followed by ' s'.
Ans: 9 h 30 min
